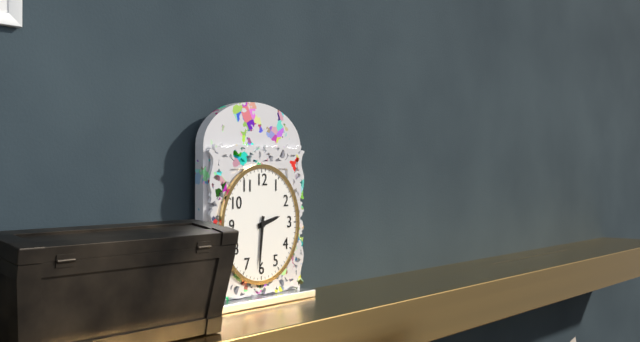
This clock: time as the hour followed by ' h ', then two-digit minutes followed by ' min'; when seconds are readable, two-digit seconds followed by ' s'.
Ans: 2 h 31 min
